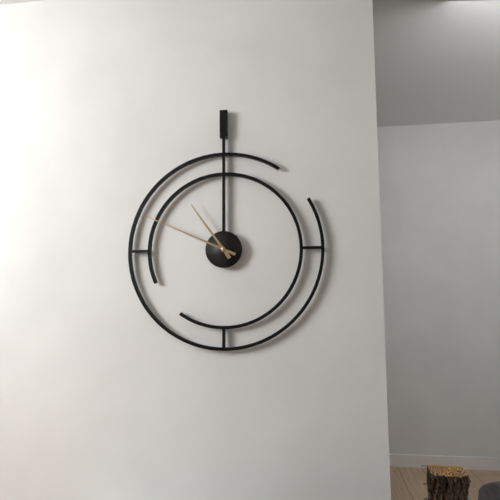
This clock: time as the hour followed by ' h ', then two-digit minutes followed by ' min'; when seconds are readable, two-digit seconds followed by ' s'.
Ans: 10 h 49 min
